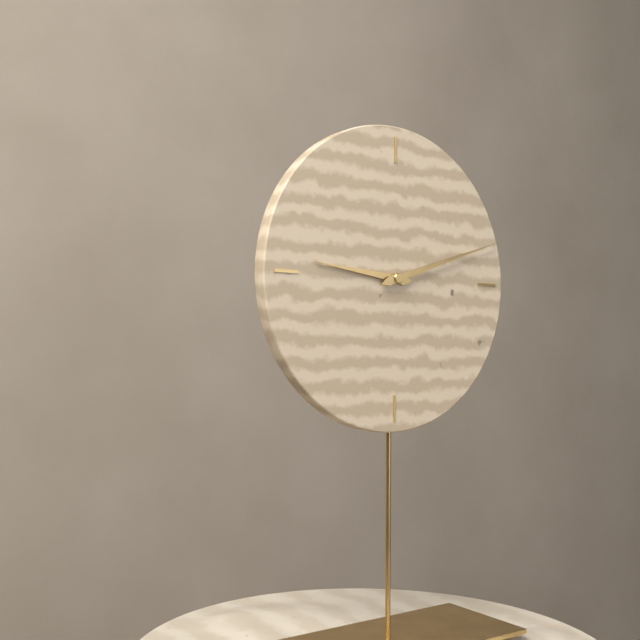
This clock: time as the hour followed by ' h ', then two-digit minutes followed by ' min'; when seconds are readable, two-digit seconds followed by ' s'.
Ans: 9 h 12 min
